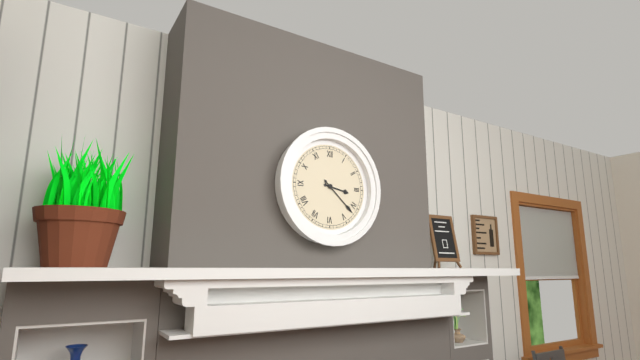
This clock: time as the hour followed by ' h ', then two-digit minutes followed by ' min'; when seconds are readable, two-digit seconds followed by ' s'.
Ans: 3 h 22 min
